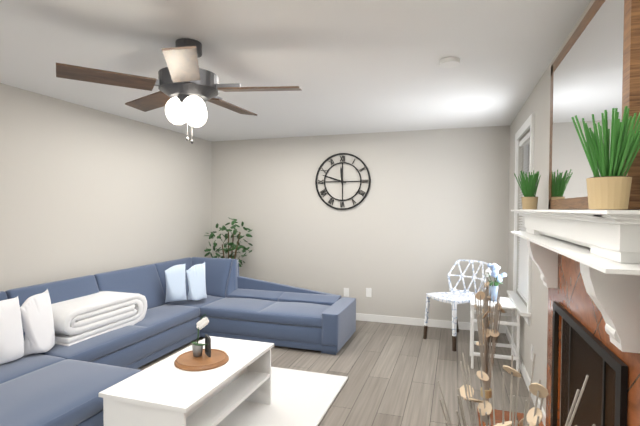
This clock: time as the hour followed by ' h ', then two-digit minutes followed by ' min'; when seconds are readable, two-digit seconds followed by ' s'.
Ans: 11 h 48 min
